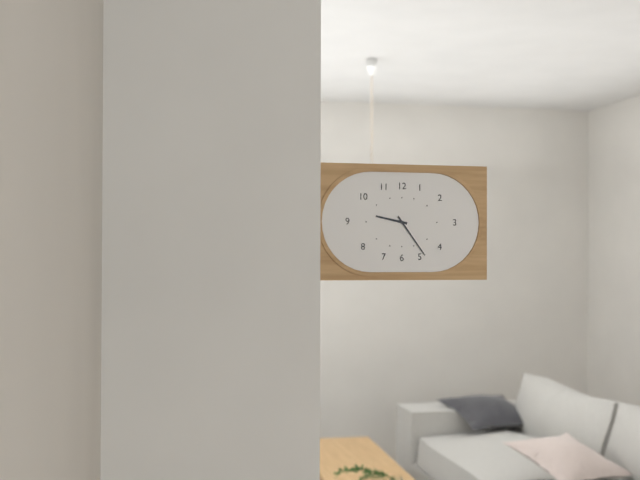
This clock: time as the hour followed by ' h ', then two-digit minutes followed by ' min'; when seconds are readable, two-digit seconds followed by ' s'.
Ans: 9 h 24 min
